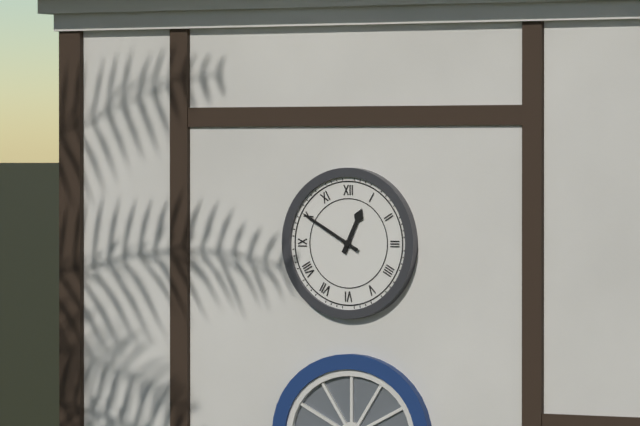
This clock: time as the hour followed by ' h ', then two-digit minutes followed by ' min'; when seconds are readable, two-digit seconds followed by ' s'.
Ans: 12 h 50 min
